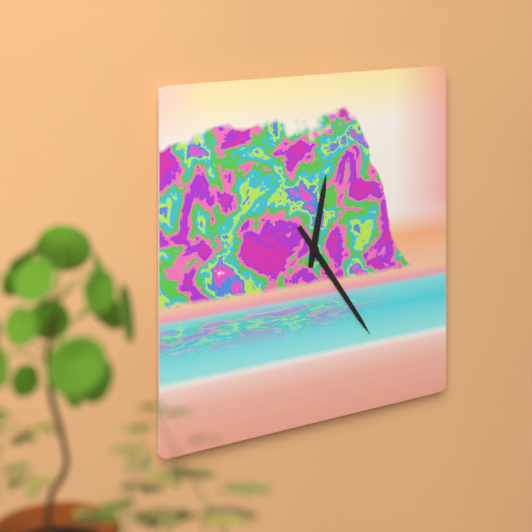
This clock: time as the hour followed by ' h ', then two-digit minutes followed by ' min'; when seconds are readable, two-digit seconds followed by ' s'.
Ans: 12 h 24 min
